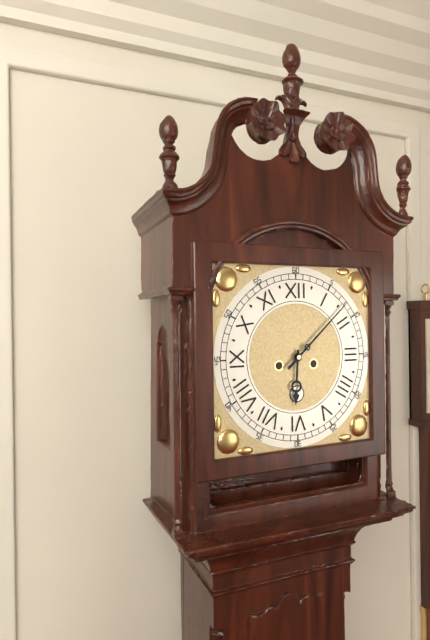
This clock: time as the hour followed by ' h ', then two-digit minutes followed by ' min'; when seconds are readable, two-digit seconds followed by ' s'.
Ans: 6 h 08 min
